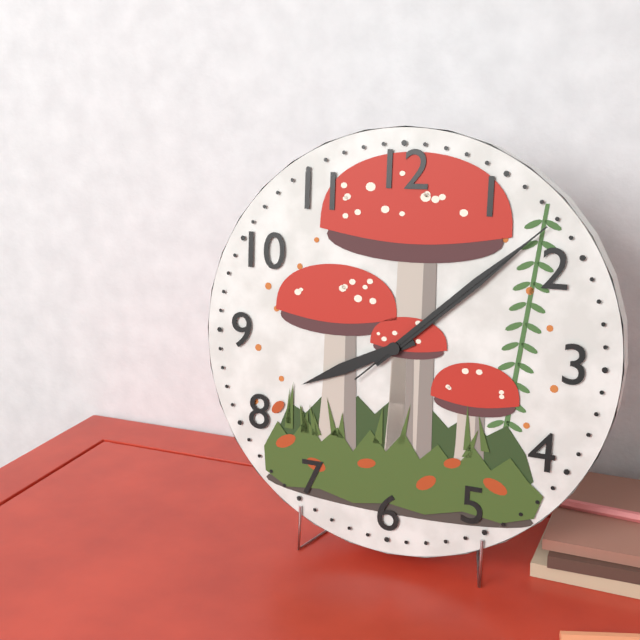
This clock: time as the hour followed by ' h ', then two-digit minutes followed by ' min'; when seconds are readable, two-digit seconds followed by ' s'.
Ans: 8 h 08 min 08 s
